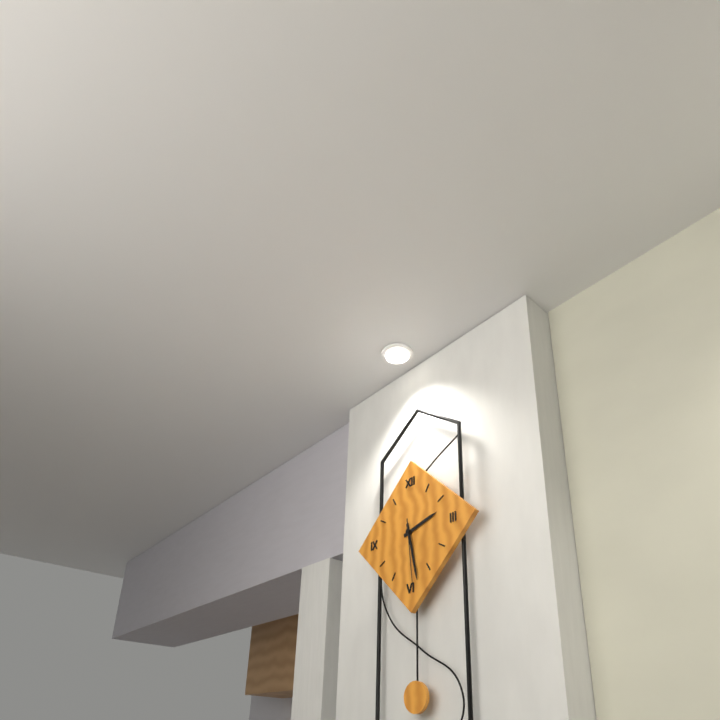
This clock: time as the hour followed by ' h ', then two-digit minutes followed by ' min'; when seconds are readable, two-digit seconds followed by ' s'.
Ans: 2 h 28 min 29 s
